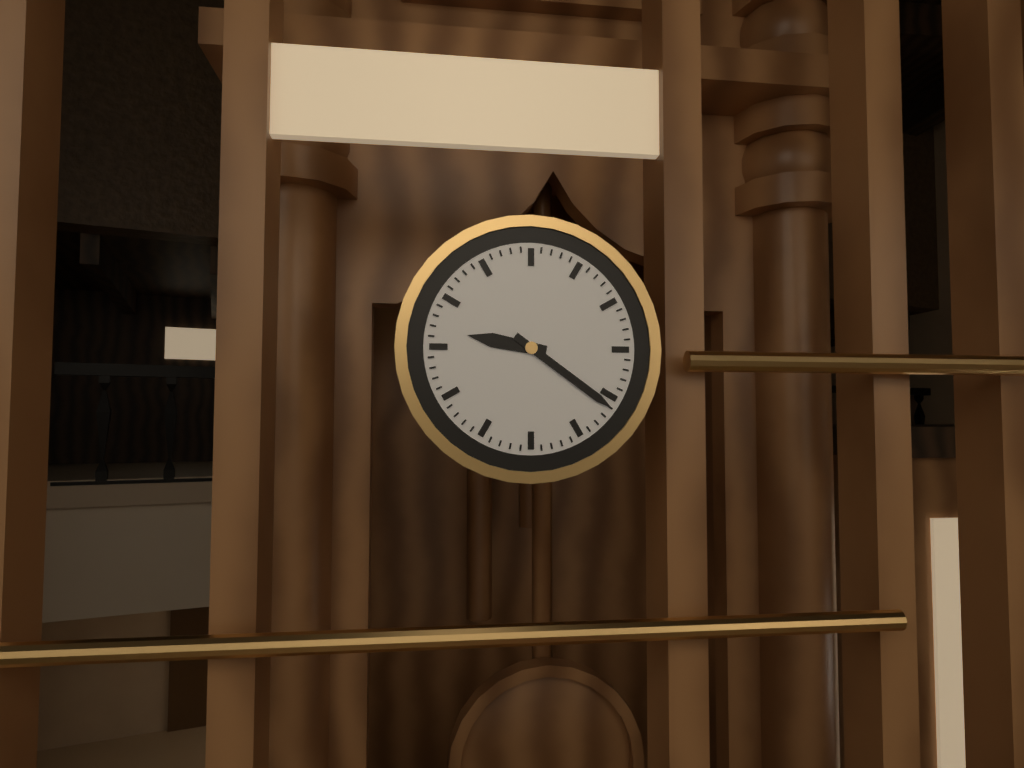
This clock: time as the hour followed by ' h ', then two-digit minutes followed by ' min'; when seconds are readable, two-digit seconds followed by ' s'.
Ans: 9 h 21 min
